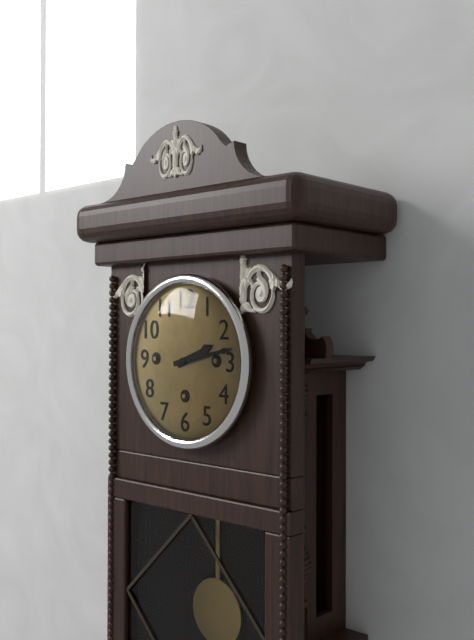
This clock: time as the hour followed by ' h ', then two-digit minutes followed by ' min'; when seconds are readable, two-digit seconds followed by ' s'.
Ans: 2 h 13 min
